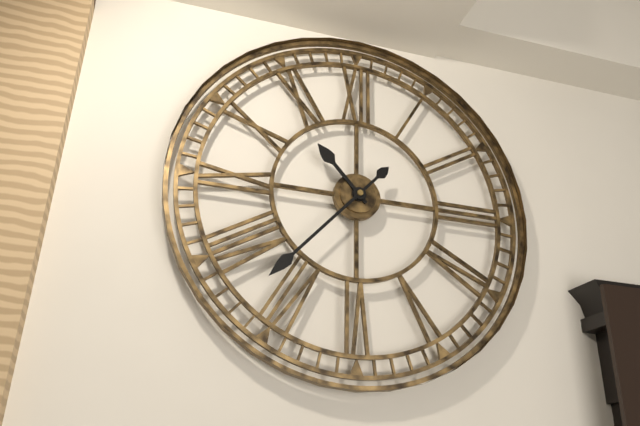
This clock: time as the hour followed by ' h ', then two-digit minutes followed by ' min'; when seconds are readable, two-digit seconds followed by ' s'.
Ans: 10 h 37 min
